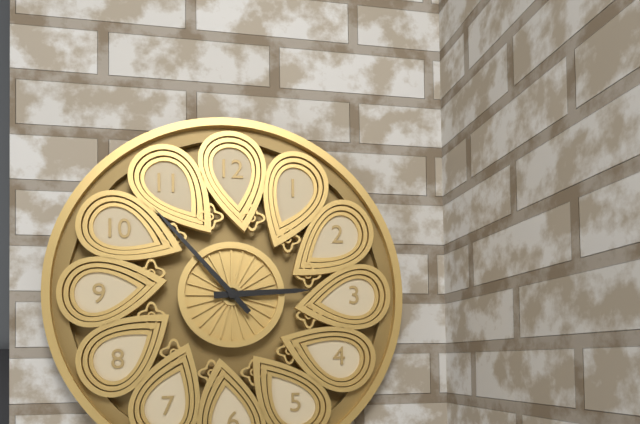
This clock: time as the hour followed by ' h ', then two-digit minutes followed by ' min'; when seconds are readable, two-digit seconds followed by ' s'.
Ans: 2 h 53 min
